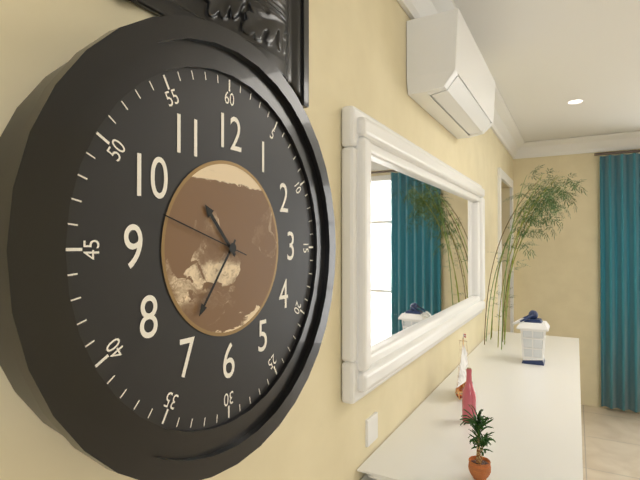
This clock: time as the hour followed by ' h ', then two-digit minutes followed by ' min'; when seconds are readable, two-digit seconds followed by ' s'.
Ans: 10 h 36 min 48 s
